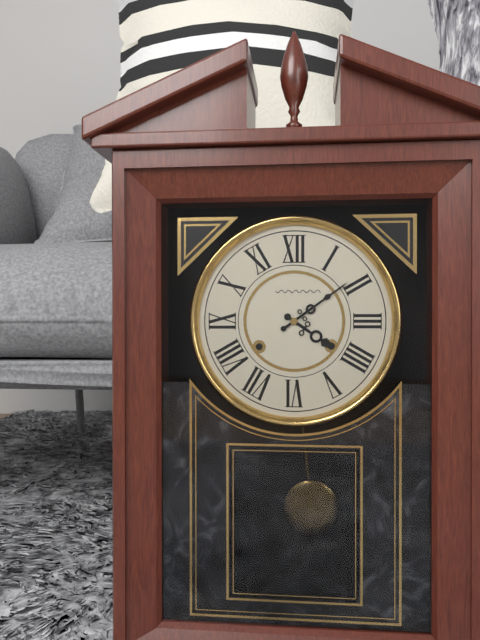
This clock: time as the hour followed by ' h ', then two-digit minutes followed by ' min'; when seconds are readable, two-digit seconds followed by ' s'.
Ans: 4 h 09 min
